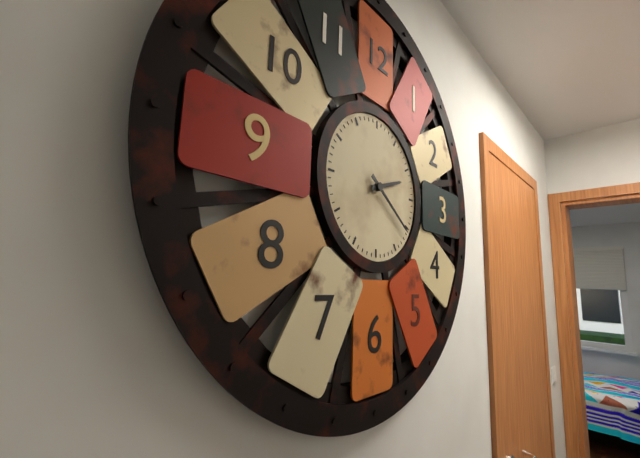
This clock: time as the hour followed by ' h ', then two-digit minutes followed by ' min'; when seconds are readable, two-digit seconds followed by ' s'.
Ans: 2 h 21 min
